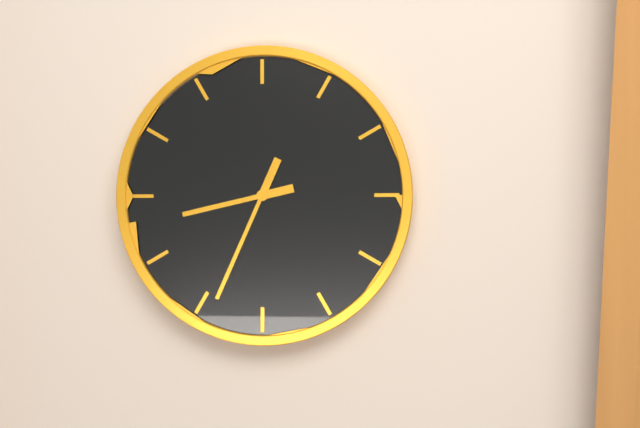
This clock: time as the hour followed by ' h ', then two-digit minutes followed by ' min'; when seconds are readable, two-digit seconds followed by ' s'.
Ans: 8 h 34 min
